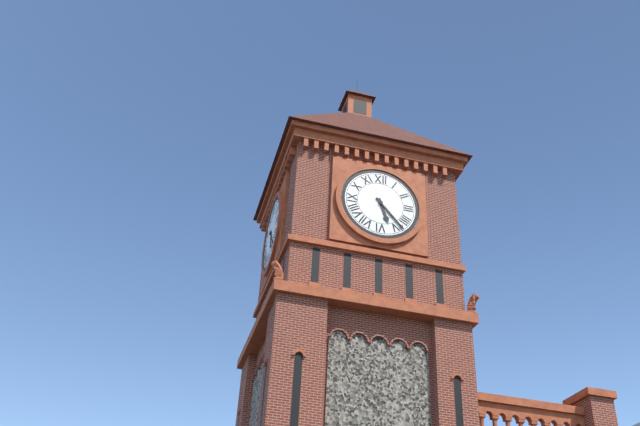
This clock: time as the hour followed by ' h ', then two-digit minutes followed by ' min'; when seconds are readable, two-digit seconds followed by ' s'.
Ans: 5 h 23 min
